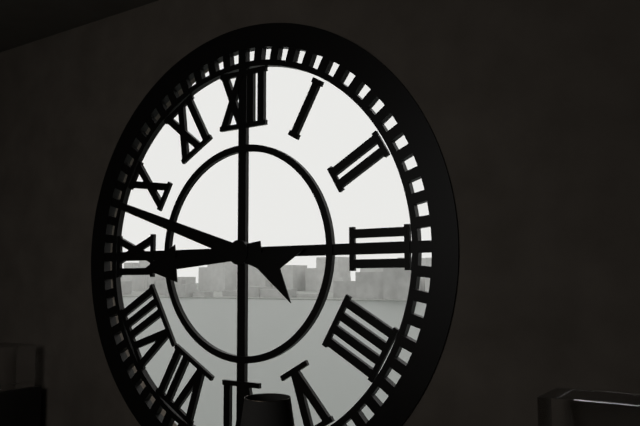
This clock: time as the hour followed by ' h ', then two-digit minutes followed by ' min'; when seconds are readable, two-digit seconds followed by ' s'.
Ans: 8 h 48 min
